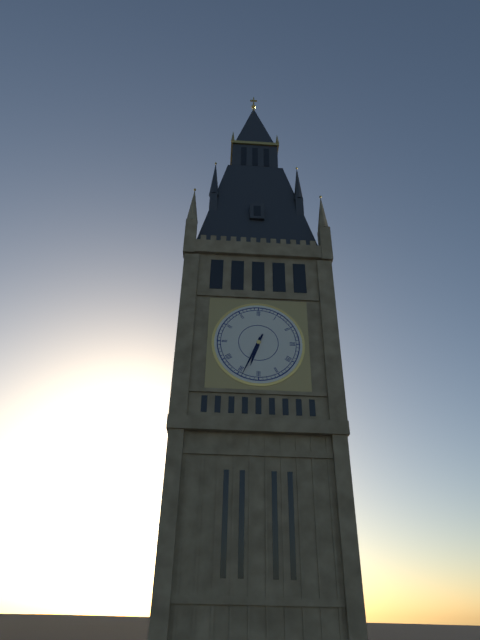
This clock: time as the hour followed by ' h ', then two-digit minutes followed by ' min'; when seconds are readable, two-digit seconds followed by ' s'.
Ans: 6 h 34 min
